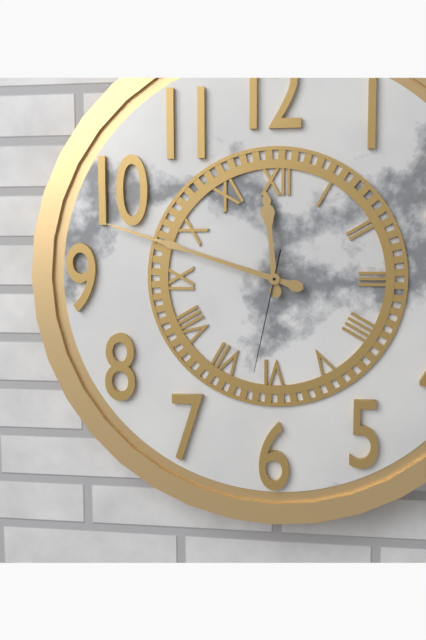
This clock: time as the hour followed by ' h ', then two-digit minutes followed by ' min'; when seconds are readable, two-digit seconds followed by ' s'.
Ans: 11 h 48 min 32 s
